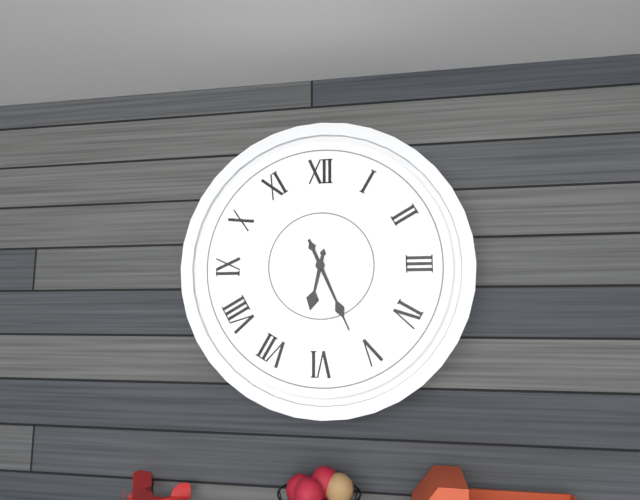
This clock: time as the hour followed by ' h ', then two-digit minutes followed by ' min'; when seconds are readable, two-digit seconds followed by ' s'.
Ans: 6 h 26 min
